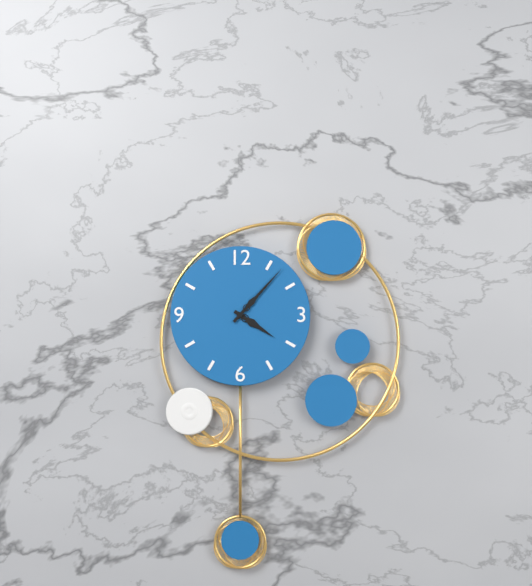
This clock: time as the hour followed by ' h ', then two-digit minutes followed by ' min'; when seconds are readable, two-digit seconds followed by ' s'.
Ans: 4 h 07 min
